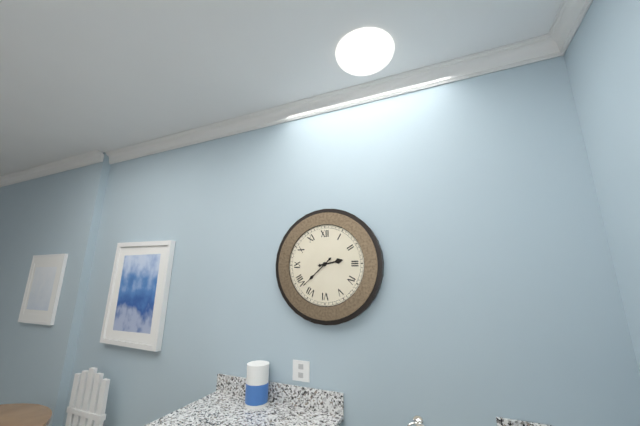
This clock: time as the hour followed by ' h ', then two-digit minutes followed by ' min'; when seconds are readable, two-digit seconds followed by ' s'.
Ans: 2 h 38 min
